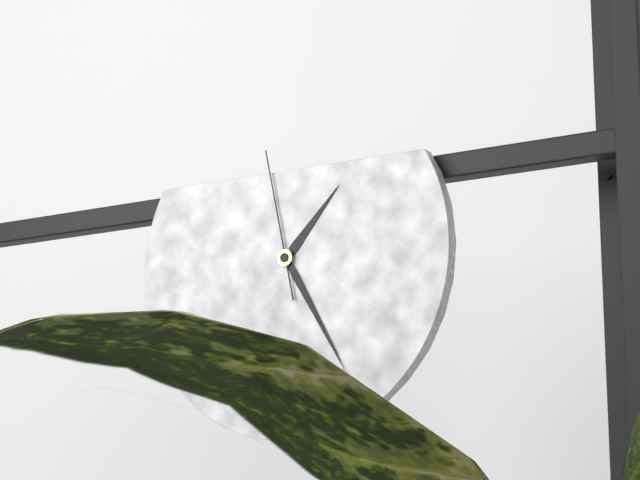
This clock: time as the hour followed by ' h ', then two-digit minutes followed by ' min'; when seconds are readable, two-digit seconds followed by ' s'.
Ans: 1 h 25 min 58 s
